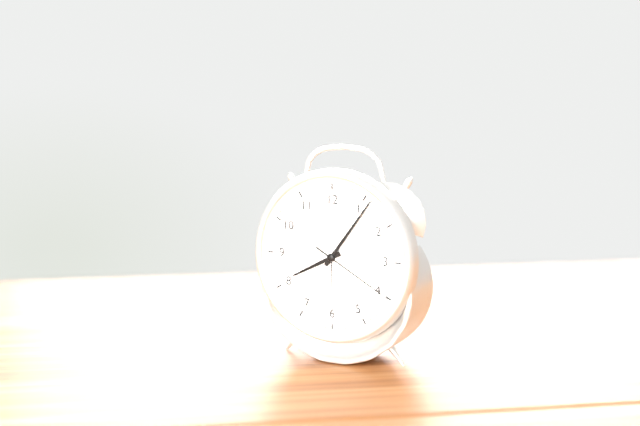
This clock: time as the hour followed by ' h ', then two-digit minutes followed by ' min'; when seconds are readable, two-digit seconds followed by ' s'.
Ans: 8 h 06 min 20 s
